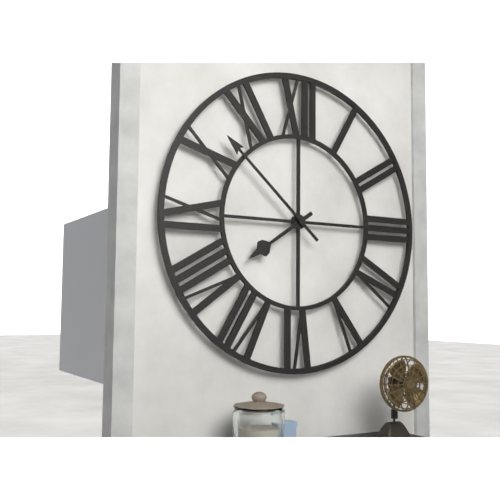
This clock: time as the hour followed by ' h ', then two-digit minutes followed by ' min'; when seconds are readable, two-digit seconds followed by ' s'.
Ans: 7 h 52 min
